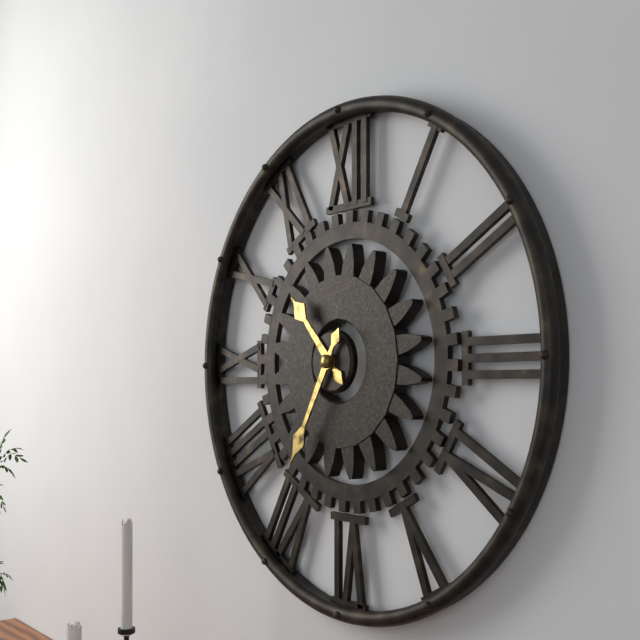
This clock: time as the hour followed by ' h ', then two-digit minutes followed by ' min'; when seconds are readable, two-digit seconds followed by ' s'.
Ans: 10 h 35 min
